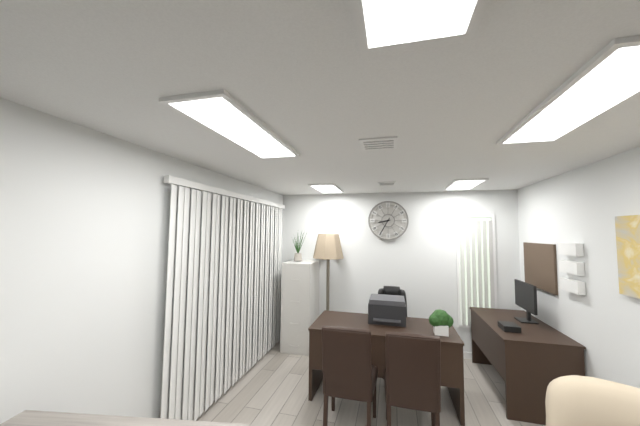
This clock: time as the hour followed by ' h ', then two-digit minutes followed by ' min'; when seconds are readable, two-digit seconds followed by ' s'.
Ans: 8 h 35 min
